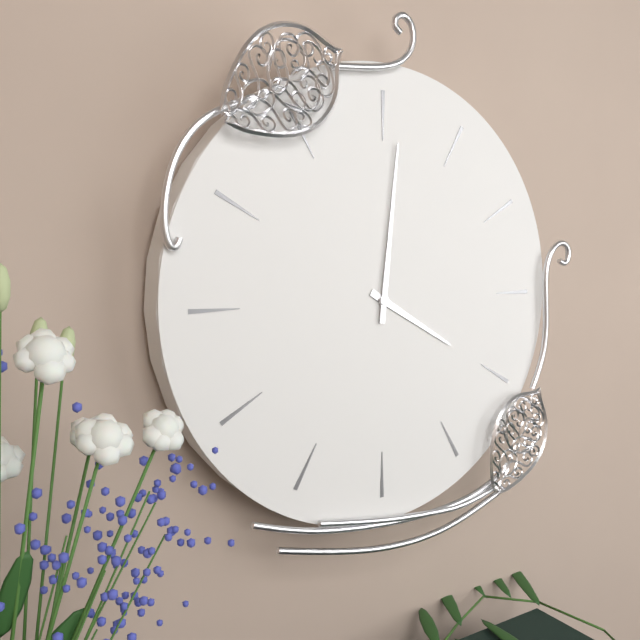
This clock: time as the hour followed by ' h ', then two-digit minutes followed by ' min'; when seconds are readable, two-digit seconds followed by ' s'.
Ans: 4 h 01 min
